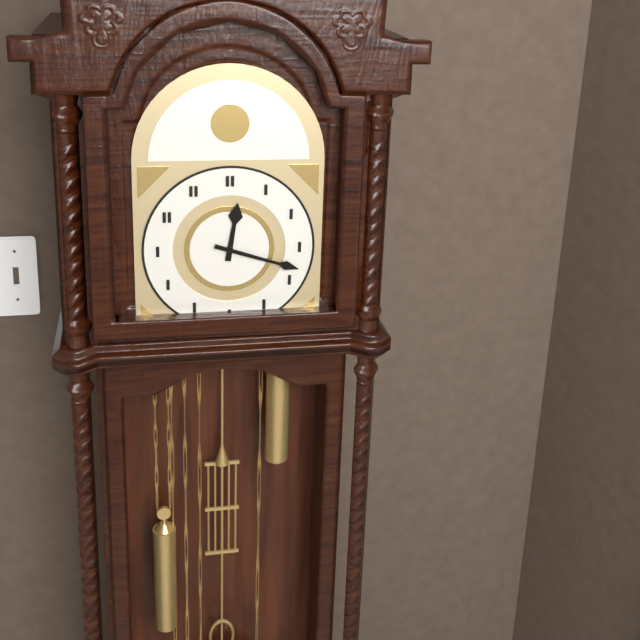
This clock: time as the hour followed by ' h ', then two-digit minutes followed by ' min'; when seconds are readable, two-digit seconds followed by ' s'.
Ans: 12 h 18 min
